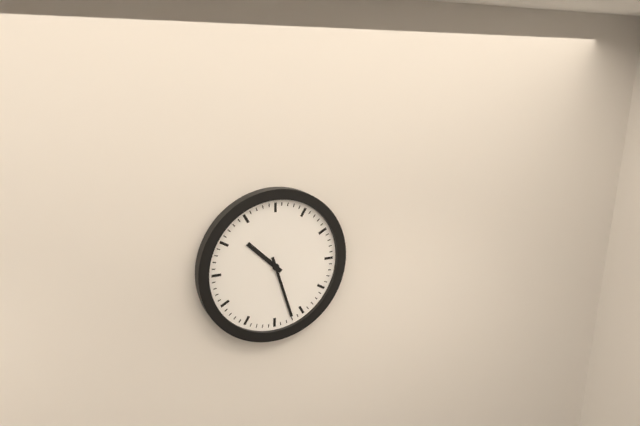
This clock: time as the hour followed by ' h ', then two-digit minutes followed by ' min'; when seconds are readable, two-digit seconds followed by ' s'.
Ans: 10 h 27 min
